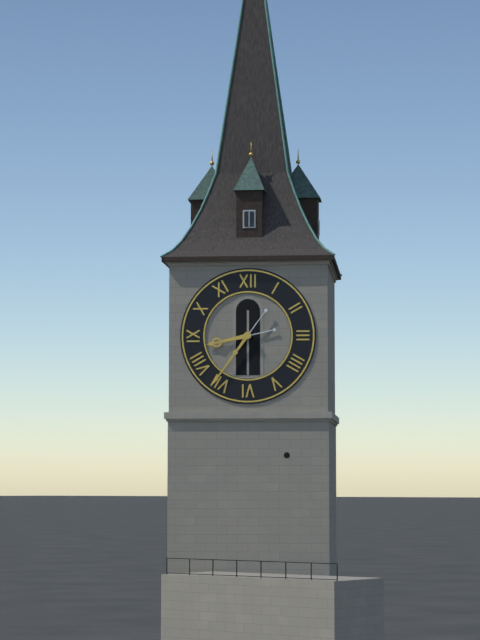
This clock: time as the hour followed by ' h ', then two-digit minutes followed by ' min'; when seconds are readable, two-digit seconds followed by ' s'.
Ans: 8 h 36 min
